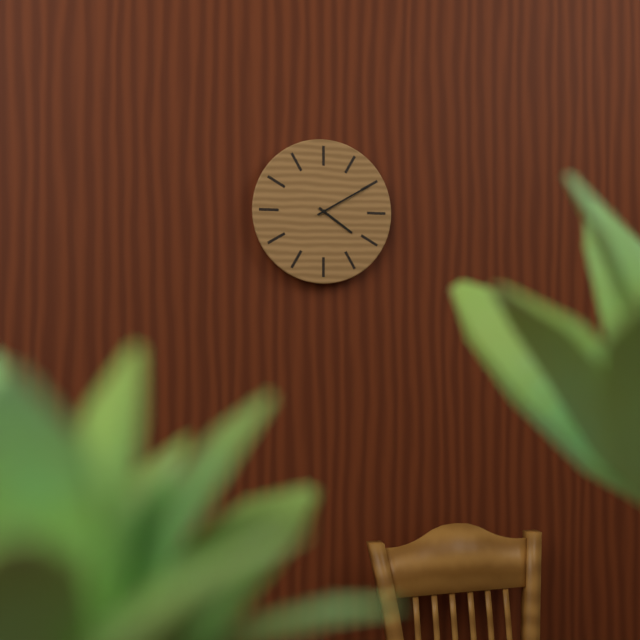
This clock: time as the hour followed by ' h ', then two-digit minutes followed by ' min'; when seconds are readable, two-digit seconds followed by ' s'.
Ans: 4 h 10 min
